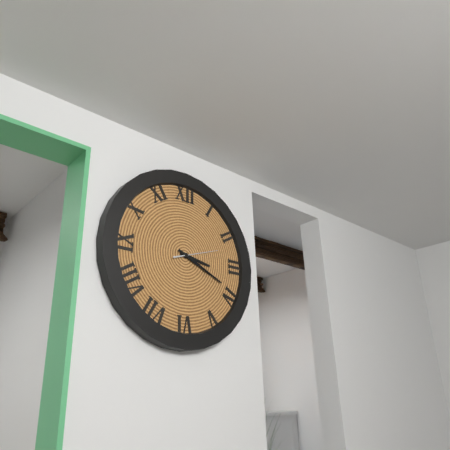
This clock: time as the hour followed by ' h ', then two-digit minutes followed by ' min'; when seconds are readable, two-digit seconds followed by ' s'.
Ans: 3 h 19 min
